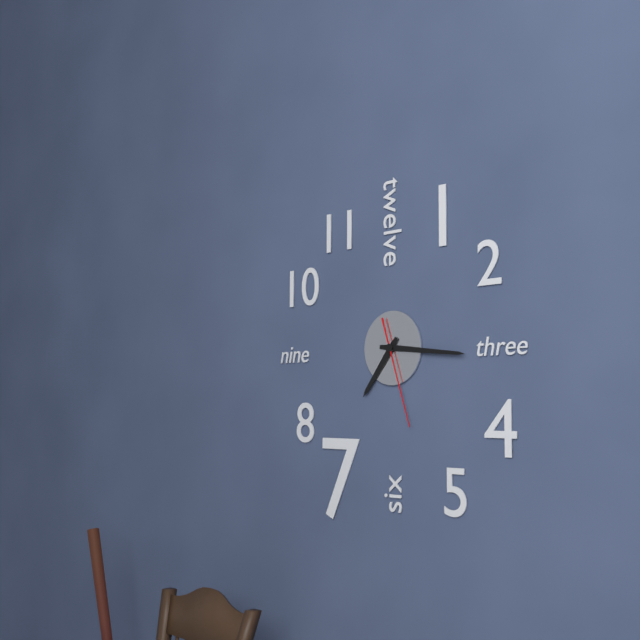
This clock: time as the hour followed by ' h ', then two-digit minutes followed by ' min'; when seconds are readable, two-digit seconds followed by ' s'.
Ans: 7 h 16 min 27 s
